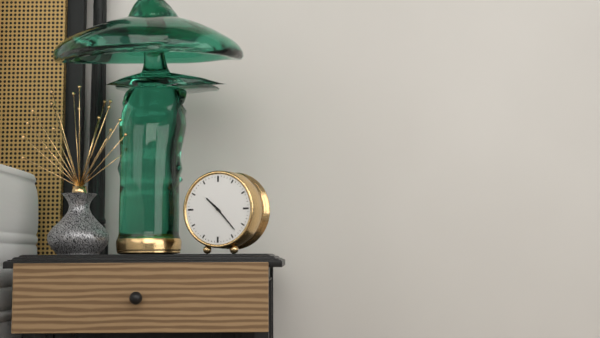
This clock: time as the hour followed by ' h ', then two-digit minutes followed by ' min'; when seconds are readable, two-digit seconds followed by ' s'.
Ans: 10 h 23 min
